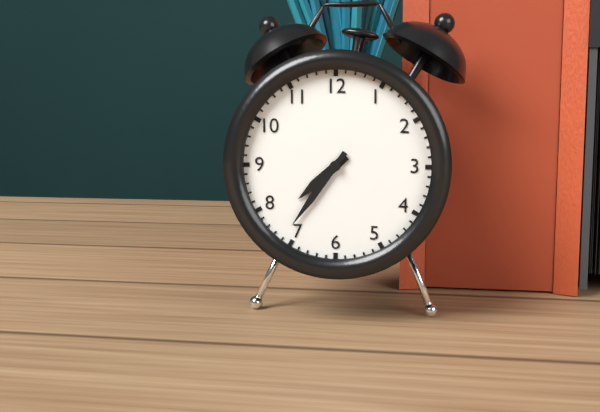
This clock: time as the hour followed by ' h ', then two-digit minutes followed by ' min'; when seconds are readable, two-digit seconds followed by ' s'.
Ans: 7 h 36 min
